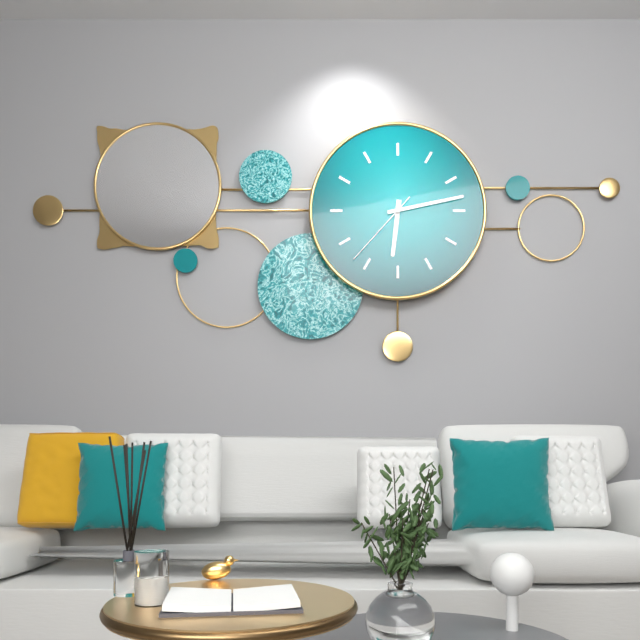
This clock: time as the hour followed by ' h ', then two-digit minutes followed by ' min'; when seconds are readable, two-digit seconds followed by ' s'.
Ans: 6 h 13 min 37 s
